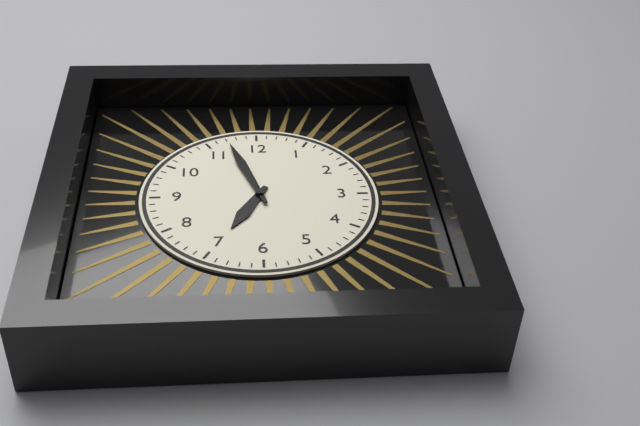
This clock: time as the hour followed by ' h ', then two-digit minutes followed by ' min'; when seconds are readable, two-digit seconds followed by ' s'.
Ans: 6 h 57 min
